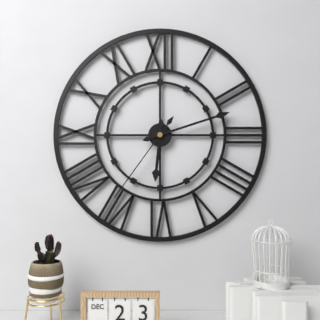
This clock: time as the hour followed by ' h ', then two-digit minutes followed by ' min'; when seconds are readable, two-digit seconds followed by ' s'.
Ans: 6 h 12 min 36 s
